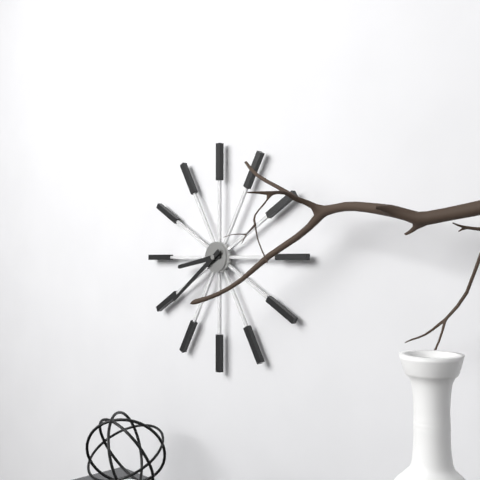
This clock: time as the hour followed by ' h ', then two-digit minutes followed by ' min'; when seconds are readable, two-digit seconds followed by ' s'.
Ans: 8 h 39 min
